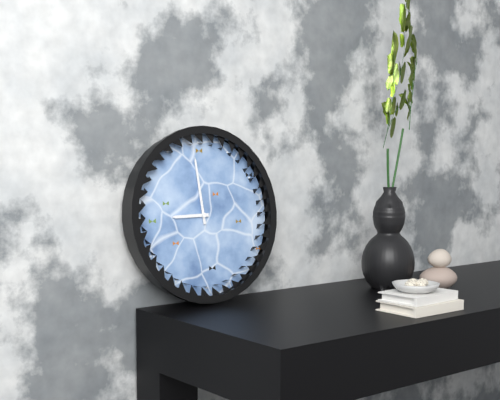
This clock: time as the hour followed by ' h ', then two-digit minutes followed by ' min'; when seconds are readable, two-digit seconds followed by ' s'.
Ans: 8 h 59 min
